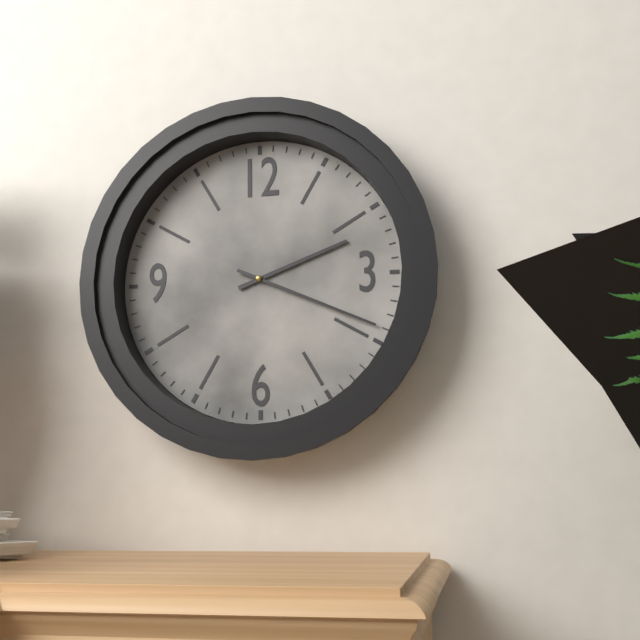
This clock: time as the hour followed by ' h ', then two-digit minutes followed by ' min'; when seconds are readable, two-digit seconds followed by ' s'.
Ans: 2 h 19 min
